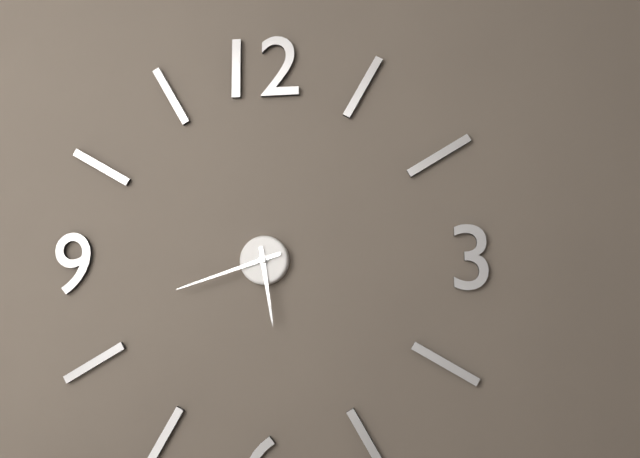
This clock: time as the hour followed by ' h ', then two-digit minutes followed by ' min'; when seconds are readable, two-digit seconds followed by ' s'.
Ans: 5 h 42 min
